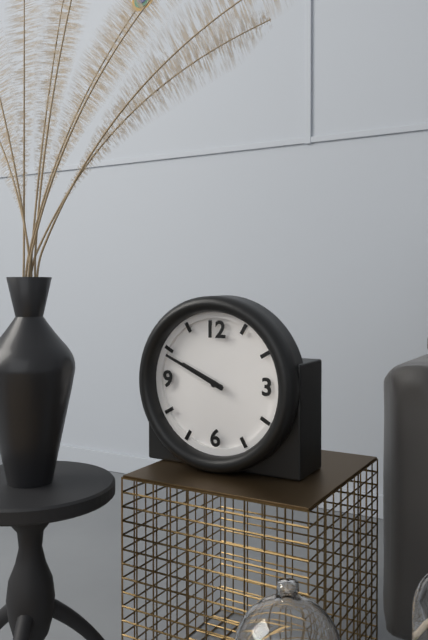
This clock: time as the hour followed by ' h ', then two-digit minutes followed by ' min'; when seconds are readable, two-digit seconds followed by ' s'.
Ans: 9 h 49 min
